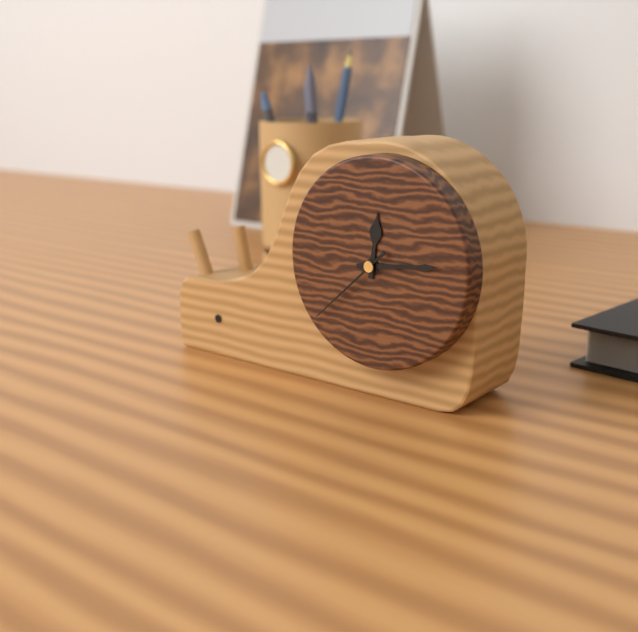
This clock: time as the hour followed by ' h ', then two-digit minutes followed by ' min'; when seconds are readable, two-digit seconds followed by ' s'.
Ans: 12 h 14 min 38 s
